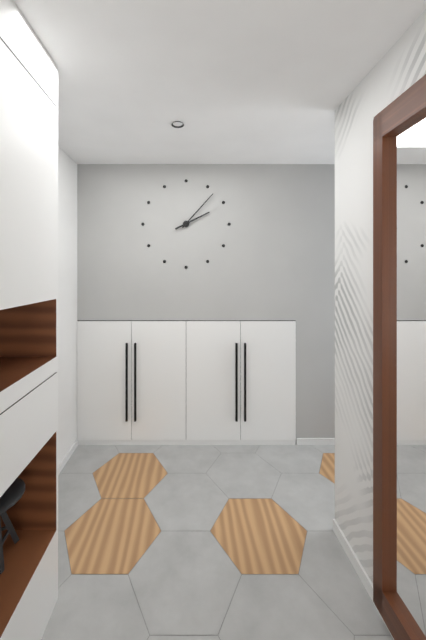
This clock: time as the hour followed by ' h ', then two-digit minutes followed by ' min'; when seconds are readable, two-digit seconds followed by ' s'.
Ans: 2 h 07 min
